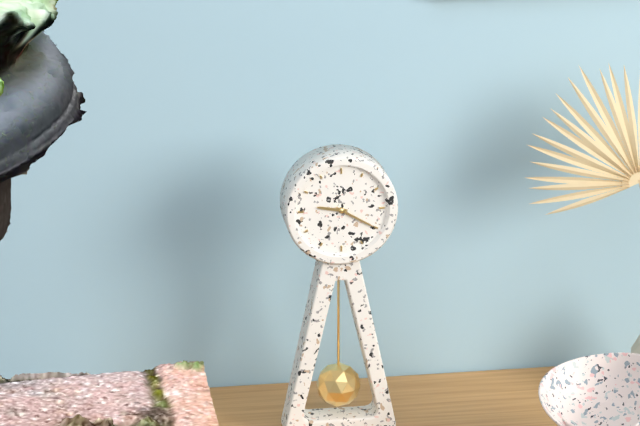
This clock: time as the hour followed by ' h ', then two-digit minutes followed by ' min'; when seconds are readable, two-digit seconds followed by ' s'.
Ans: 9 h 20 min
